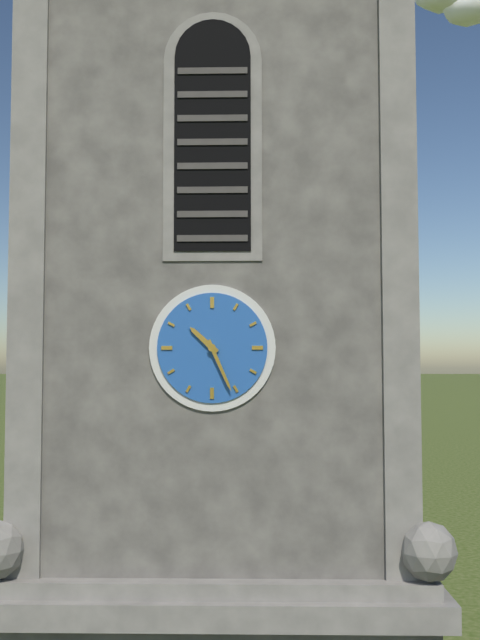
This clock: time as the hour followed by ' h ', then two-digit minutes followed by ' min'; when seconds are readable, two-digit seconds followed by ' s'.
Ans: 10 h 26 min
